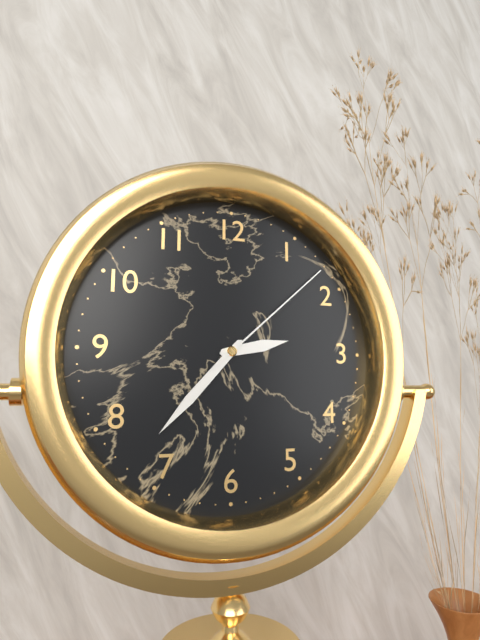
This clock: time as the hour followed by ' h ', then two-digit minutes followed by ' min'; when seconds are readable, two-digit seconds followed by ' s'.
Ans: 2 h 37 min 08 s
